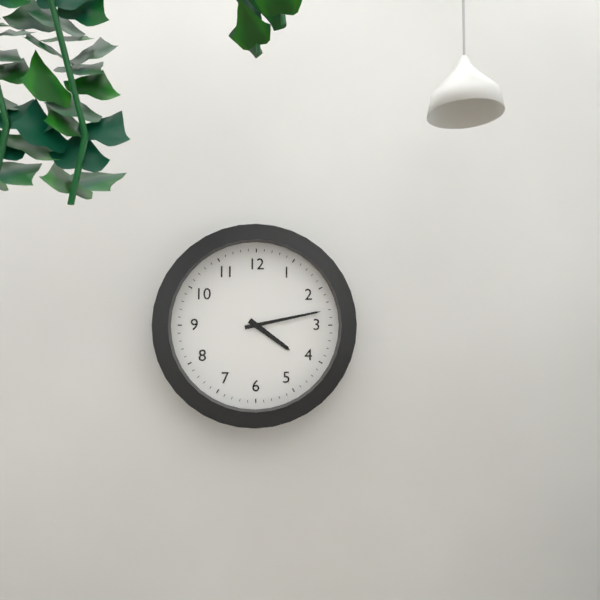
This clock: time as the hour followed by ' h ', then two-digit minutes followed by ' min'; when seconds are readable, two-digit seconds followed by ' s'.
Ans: 4 h 13 min
